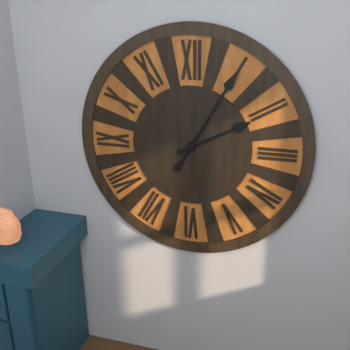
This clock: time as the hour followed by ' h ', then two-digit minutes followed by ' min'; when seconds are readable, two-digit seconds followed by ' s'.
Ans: 2 h 05 min
